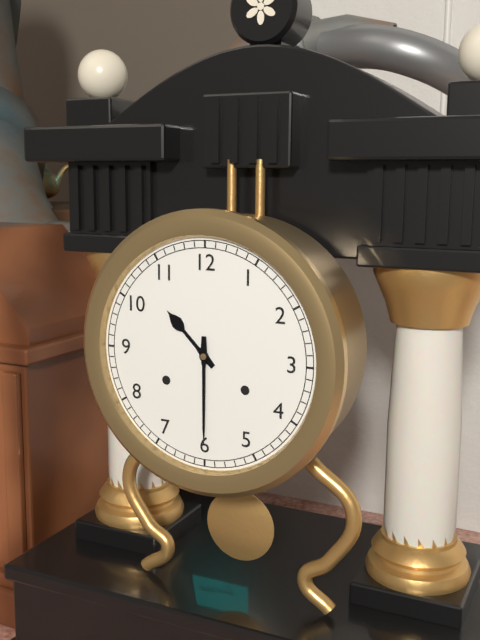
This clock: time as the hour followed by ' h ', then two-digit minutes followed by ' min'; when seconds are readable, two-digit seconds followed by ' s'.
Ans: 10 h 30 min
